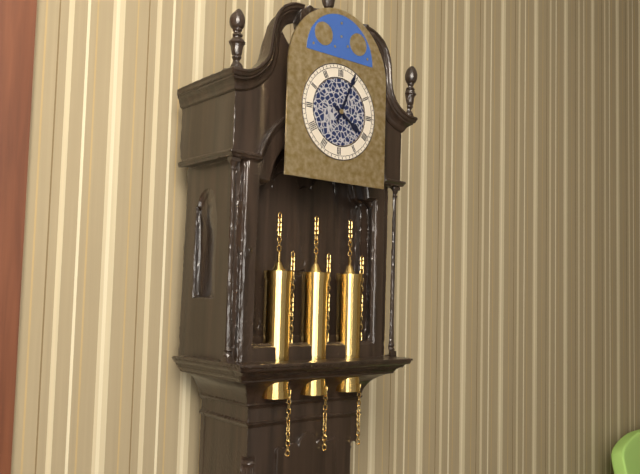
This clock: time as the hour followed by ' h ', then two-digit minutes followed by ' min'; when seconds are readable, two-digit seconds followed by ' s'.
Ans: 4 h 04 min
